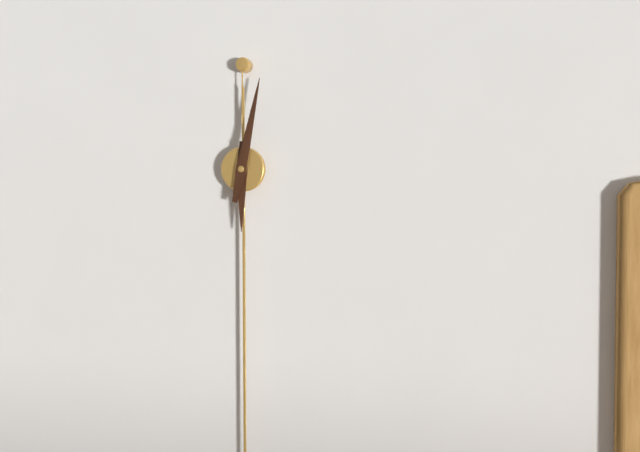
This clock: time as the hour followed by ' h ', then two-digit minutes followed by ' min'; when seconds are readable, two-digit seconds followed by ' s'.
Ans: 6 h 02 min
